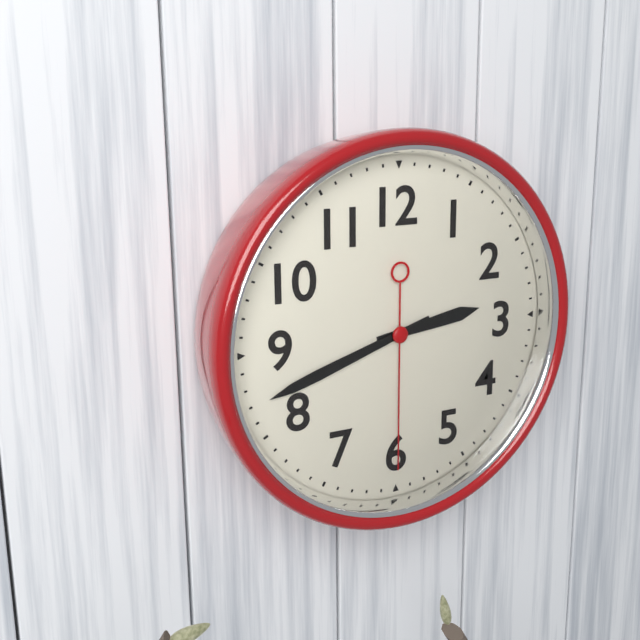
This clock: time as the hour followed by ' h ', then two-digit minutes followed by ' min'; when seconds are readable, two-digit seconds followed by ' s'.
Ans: 2 h 42 min 30 s
